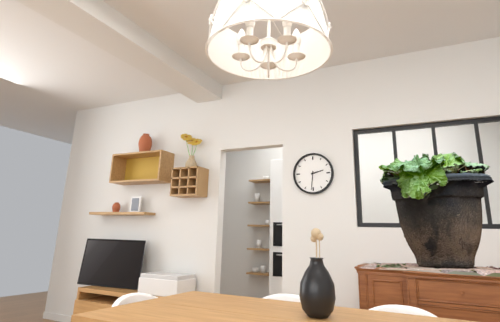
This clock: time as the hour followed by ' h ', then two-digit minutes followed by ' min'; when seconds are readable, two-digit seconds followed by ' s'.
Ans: 2 h 31 min
